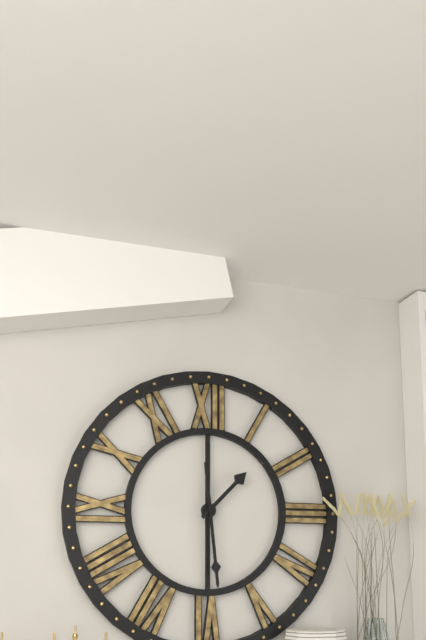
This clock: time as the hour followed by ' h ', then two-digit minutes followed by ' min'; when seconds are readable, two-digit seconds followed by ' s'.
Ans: 1 h 29 min
